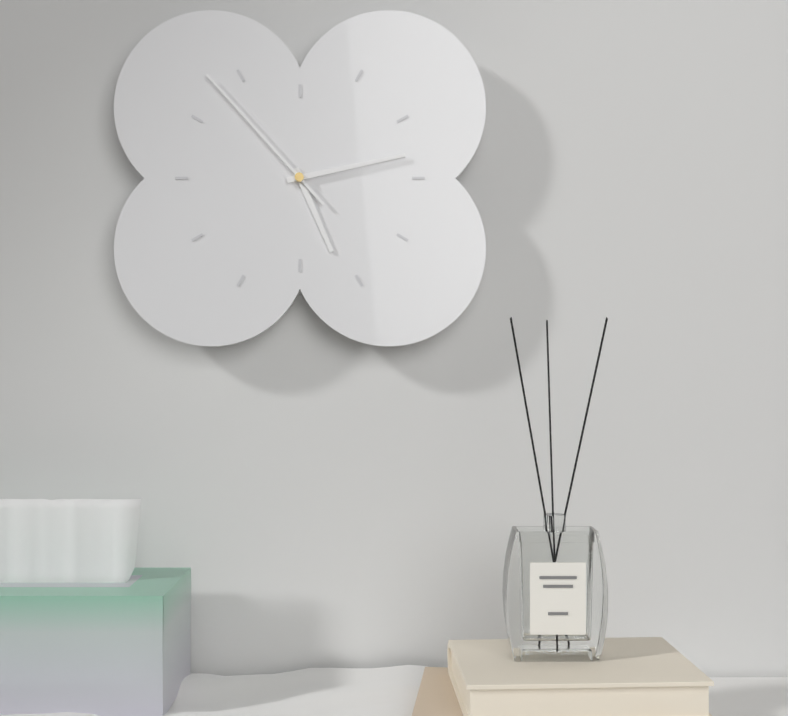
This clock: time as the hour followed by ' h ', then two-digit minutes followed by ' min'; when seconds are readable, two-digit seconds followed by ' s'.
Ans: 5 h 13 min 53 s
